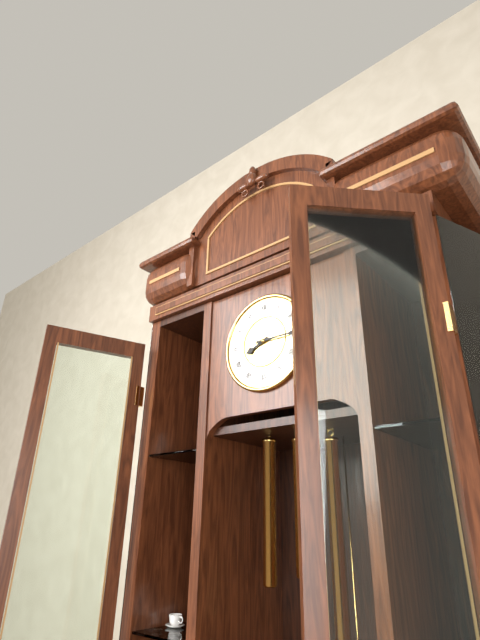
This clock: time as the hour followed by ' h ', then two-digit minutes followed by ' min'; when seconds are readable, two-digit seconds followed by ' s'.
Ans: 8 h 15 min
